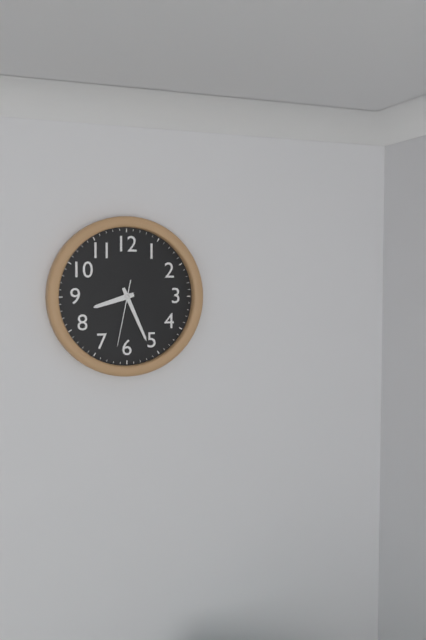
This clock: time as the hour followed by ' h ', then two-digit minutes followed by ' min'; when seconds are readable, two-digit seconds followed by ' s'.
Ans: 8 h 26 min 32 s
